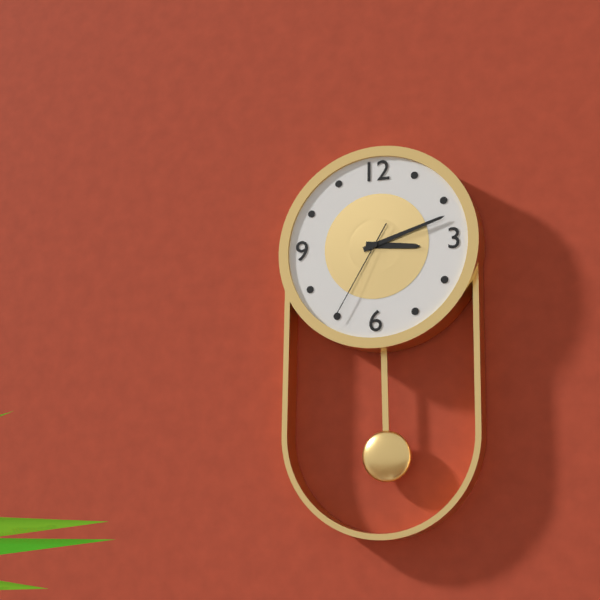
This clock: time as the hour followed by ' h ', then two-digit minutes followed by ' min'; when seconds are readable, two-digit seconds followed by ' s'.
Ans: 3 h 12 min 35 s
